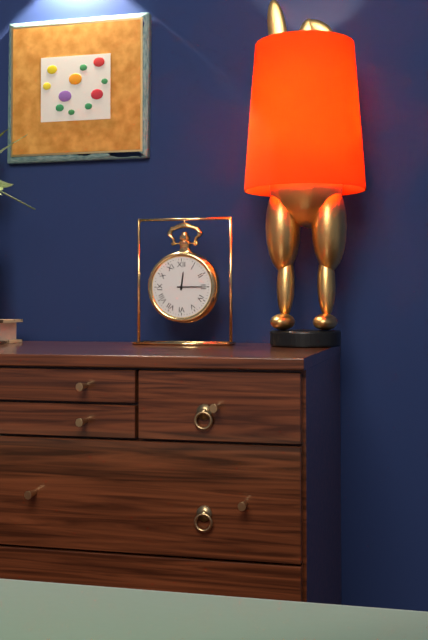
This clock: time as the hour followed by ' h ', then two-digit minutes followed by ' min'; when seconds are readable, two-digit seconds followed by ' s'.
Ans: 12 h 15 min
